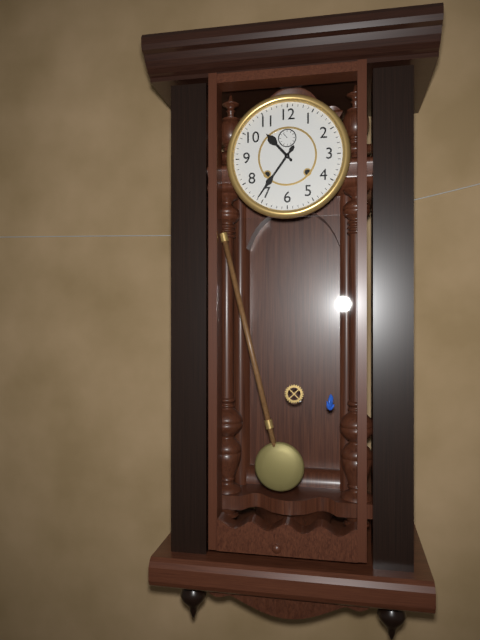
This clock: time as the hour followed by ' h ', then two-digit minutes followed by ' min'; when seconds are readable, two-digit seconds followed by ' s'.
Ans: 10 h 36 min
